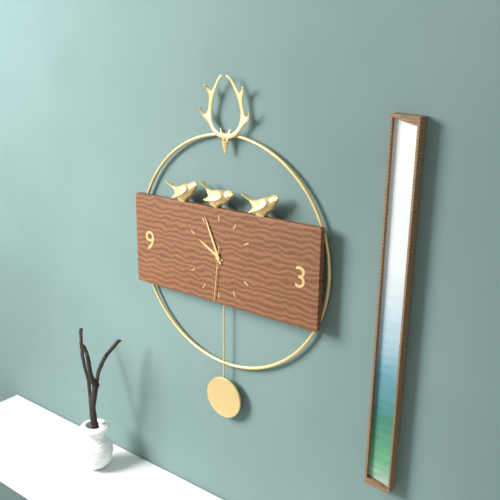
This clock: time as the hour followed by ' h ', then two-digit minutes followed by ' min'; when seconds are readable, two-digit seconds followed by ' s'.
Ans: 9 h 56 min 31 s
